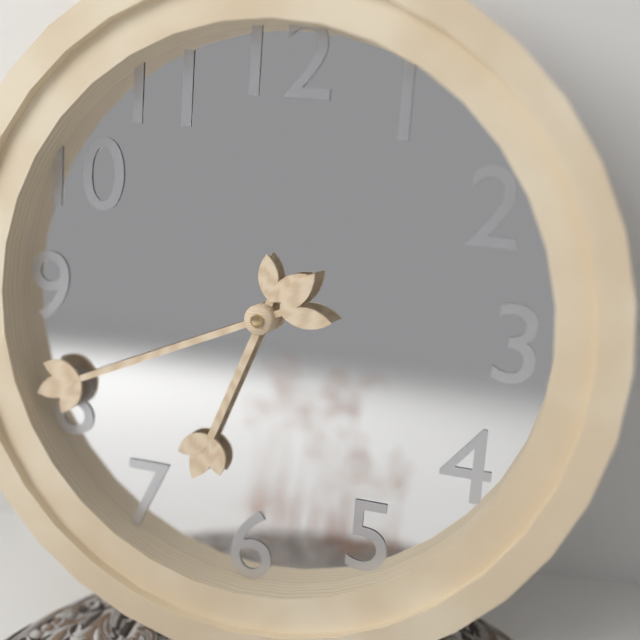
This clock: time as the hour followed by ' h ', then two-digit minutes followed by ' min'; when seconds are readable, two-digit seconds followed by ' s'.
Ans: 6 h 41 min
